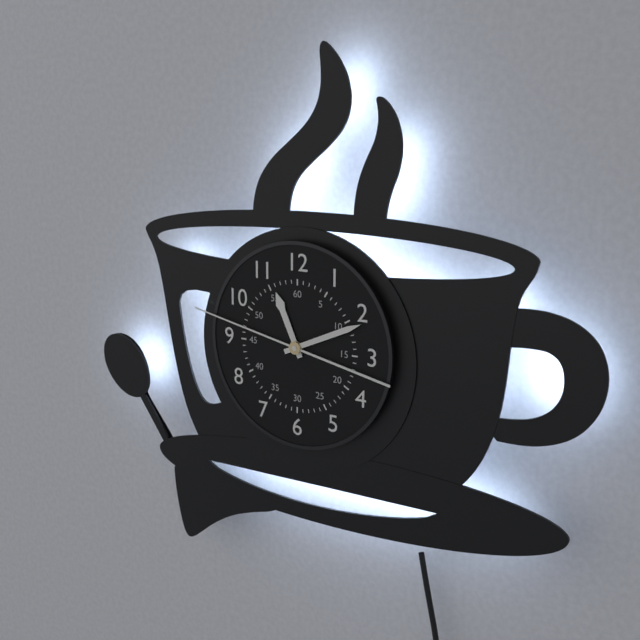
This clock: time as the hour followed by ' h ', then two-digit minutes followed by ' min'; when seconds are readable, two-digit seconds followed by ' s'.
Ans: 11 h 11 min 47 s
